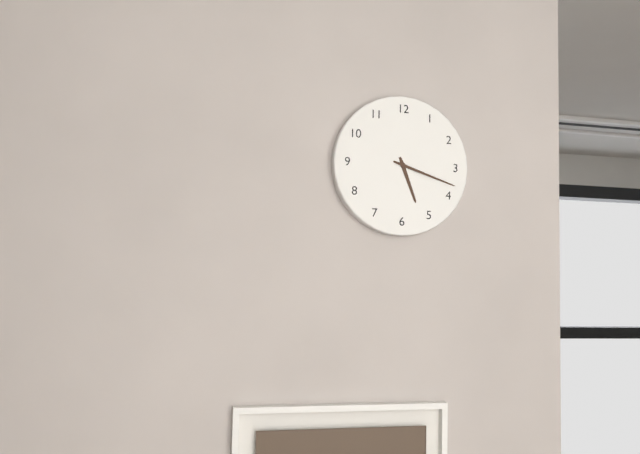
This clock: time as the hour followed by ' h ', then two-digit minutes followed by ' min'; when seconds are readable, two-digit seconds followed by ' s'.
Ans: 5 h 18 min
